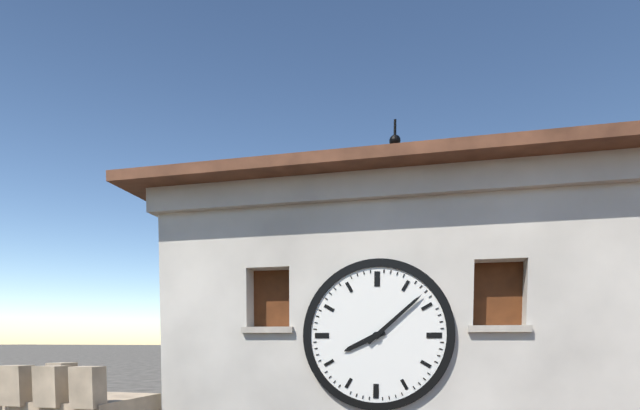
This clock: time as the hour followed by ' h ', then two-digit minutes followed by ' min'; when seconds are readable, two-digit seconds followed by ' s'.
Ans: 8 h 08 min
